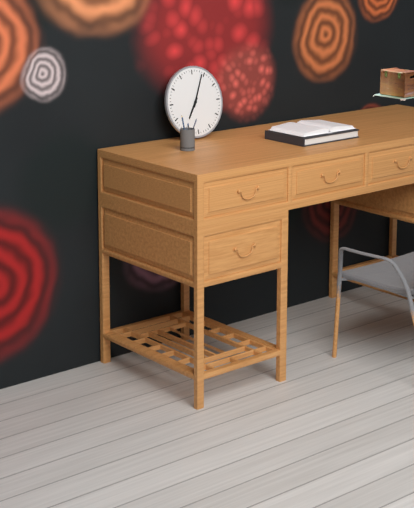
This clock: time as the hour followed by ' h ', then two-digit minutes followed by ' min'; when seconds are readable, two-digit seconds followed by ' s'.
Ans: 7 h 04 min
